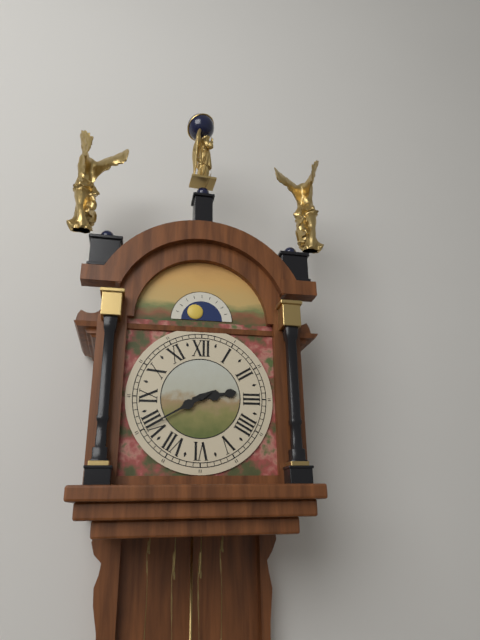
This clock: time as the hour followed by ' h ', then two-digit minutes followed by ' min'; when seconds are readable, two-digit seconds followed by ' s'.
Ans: 2 h 40 min
